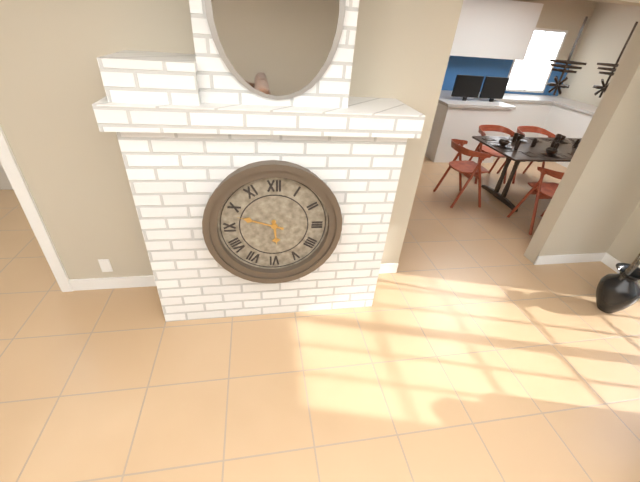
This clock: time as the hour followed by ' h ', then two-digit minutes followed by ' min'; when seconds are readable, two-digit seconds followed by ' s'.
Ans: 5 h 48 min
